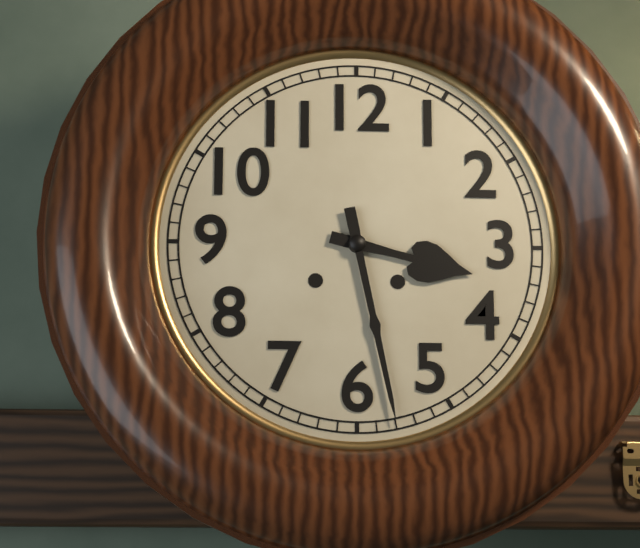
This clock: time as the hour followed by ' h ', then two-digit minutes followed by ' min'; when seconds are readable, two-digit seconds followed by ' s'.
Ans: 3 h 28 min
